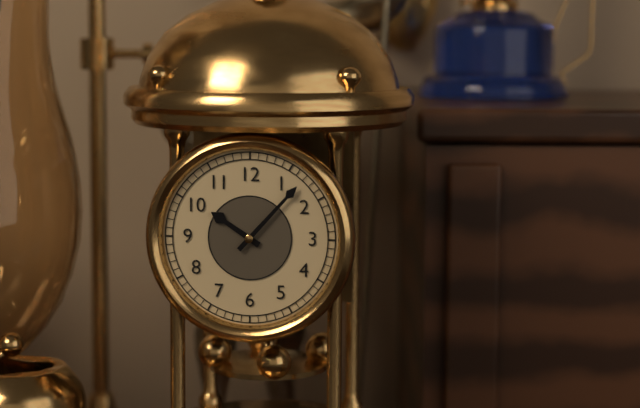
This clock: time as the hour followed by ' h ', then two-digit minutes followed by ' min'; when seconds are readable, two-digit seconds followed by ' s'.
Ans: 10 h 07 min
